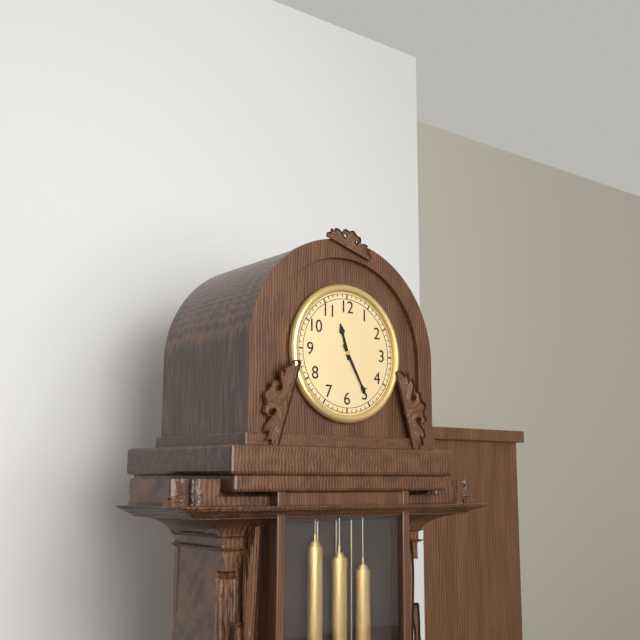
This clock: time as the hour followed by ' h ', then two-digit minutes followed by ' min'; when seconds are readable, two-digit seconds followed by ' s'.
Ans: 11 h 25 min
